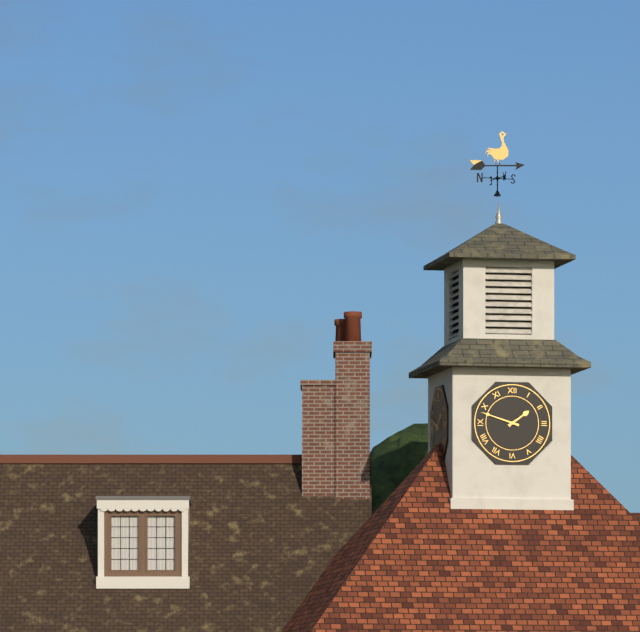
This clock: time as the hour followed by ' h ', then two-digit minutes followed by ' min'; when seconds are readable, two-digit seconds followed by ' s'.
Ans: 1 h 48 min
